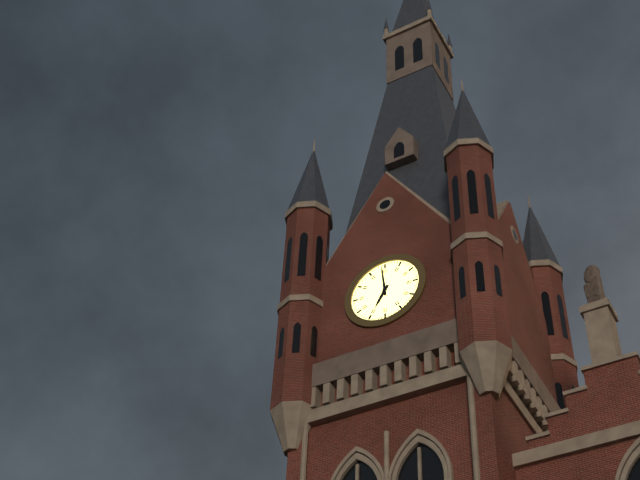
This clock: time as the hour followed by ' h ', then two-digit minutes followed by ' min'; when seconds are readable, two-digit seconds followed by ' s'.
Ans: 6 h 59 min
